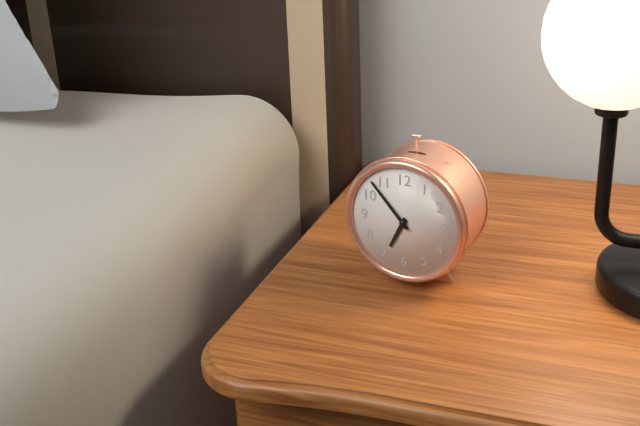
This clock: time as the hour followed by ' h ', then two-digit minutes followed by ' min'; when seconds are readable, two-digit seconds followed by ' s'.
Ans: 6 h 53 min
